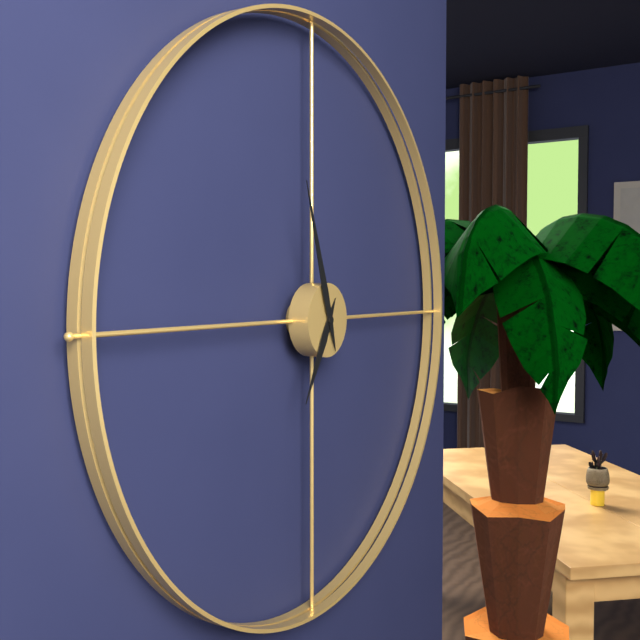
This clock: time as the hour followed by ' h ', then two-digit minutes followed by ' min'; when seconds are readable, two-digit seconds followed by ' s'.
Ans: 6 h 57 min
